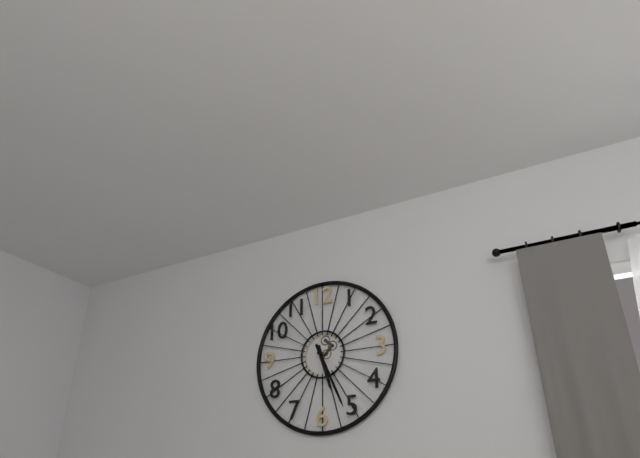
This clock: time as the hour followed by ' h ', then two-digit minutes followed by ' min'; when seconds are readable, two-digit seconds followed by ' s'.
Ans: 5 h 26 min
